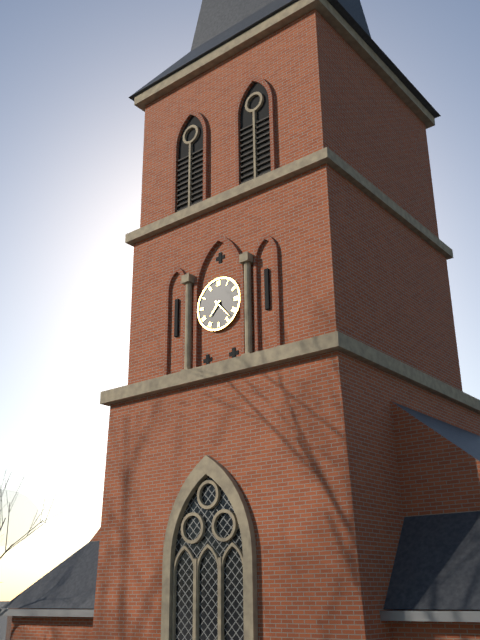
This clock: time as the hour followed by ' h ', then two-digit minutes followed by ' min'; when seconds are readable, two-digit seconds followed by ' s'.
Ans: 7 h 23 min
